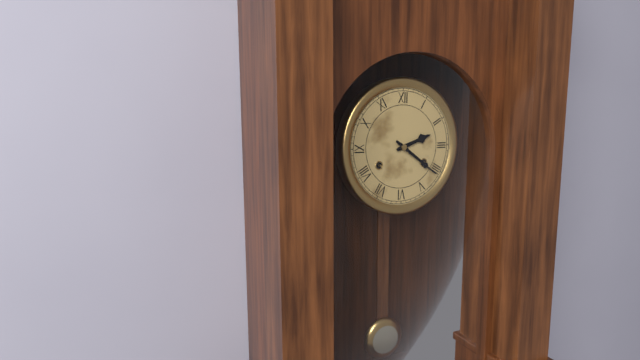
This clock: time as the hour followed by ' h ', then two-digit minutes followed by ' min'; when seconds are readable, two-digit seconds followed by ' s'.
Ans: 2 h 21 min
